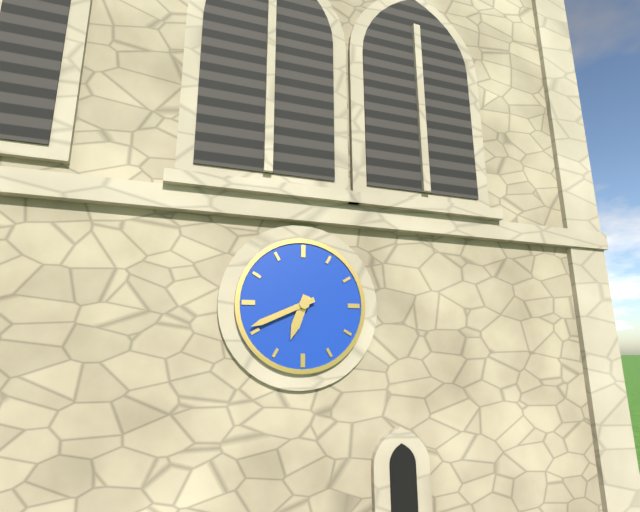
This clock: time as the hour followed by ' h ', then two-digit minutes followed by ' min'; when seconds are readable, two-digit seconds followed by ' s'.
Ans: 6 h 41 min
